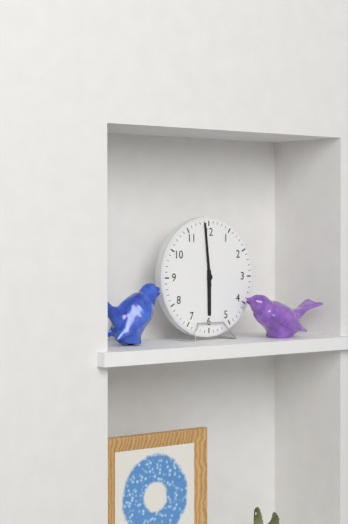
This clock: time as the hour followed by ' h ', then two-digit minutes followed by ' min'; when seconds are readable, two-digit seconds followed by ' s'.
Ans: 5 h 59 min
